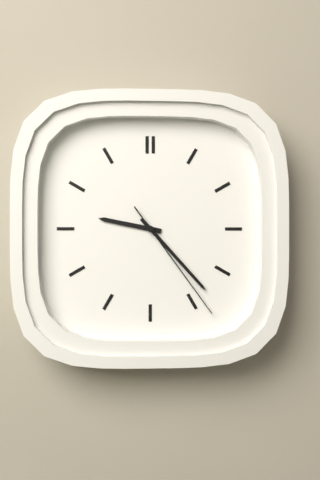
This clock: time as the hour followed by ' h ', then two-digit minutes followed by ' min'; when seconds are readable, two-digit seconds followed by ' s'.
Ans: 9 h 23 min 24 s
